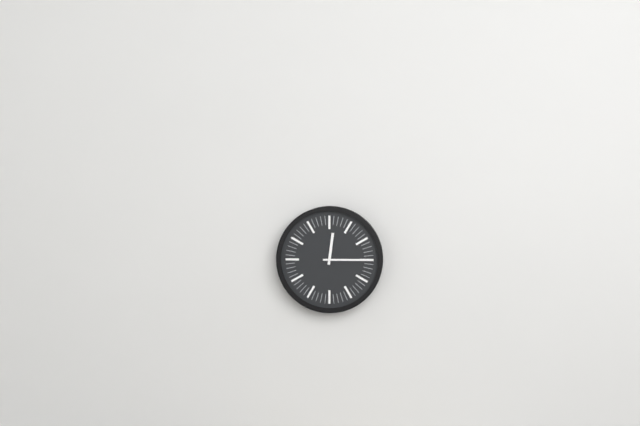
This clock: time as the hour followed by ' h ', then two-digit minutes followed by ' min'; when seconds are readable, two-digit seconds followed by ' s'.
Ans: 12 h 15 min
